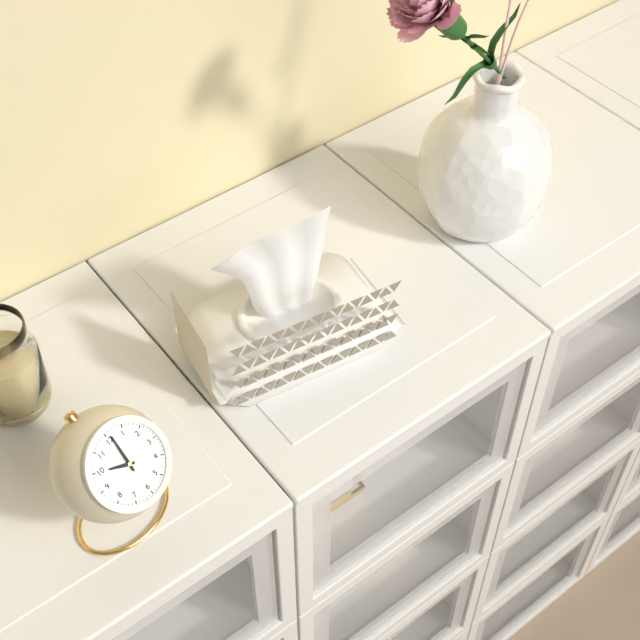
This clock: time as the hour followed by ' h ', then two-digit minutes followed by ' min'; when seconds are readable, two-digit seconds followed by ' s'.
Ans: 10 h 01 min
